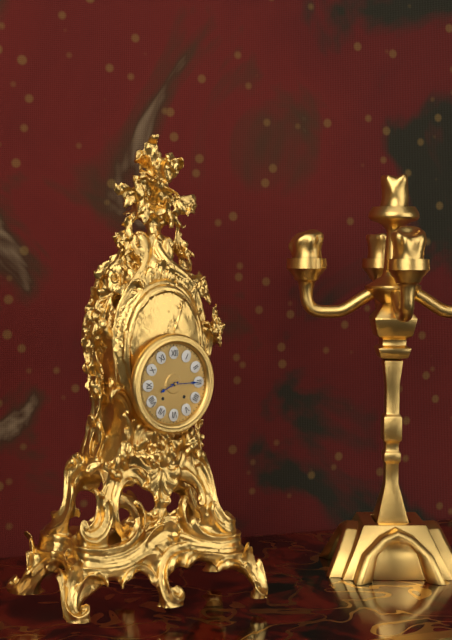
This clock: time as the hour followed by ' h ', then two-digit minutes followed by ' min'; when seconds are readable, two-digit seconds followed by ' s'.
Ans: 8 h 15 min
